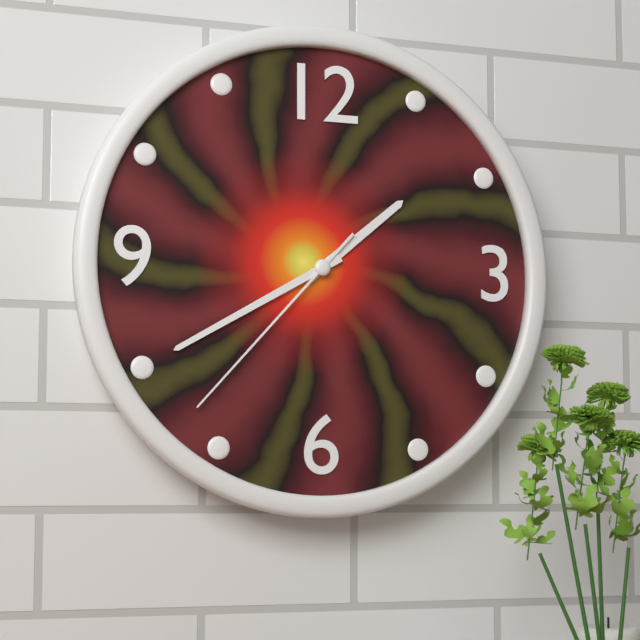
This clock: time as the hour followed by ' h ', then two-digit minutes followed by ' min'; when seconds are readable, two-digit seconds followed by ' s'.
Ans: 1 h 40 min 37 s
